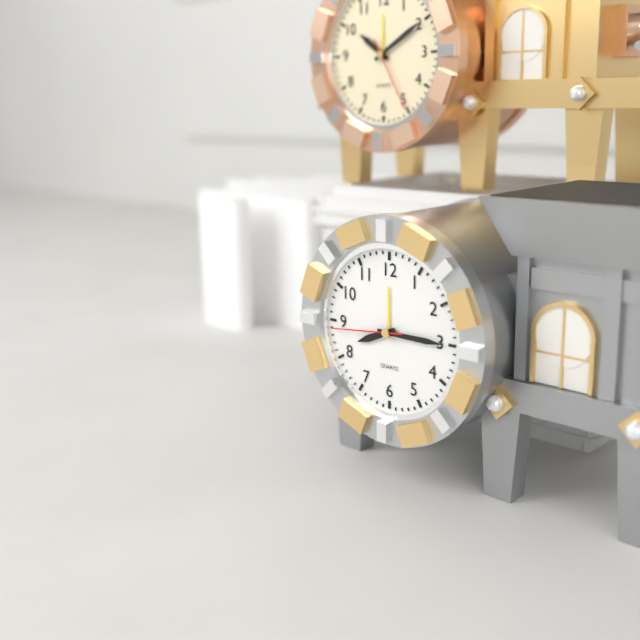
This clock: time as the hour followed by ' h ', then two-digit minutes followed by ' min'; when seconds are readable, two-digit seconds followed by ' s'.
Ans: 8 h 15 min 44 s
